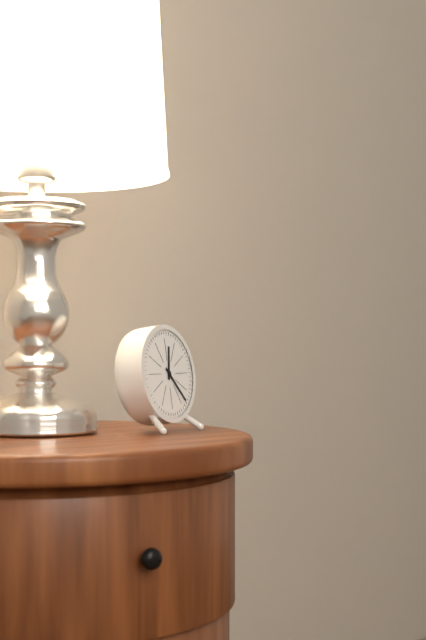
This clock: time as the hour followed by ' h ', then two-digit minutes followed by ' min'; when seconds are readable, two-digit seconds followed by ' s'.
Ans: 12 h 23 min
